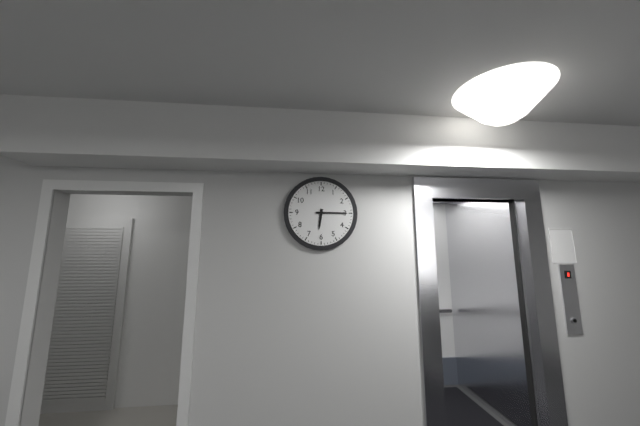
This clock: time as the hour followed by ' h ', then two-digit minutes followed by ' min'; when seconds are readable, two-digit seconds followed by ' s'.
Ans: 6 h 15 min
